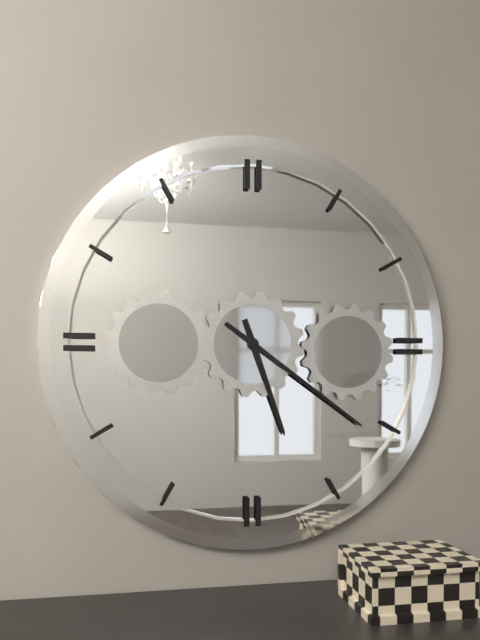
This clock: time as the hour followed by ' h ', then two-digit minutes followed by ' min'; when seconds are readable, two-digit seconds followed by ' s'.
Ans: 5 h 21 min
